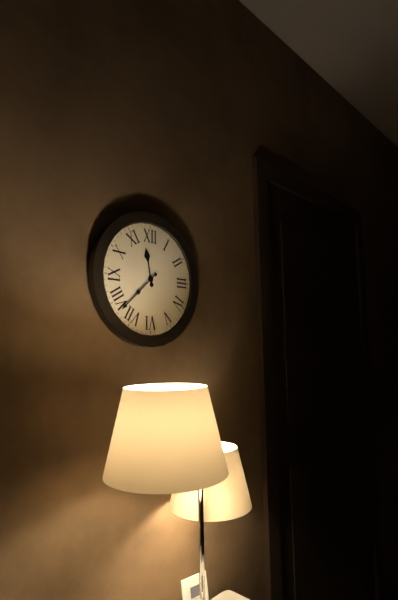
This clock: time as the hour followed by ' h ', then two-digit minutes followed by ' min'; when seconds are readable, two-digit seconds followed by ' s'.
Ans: 11 h 38 min
